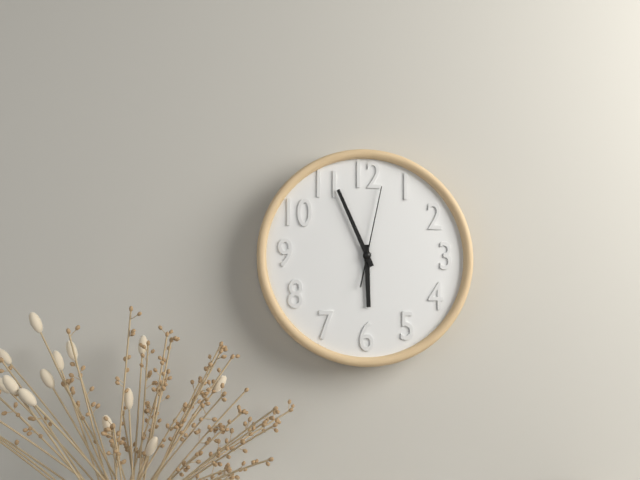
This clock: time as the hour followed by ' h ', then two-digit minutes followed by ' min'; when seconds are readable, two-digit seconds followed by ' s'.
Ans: 5 h 56 min 02 s
